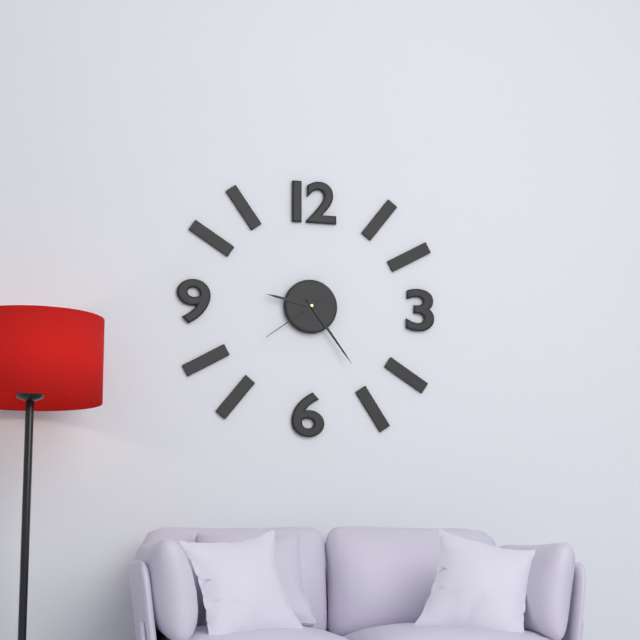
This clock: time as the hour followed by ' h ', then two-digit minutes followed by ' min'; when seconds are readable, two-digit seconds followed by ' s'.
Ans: 9 h 24 min 39 s
